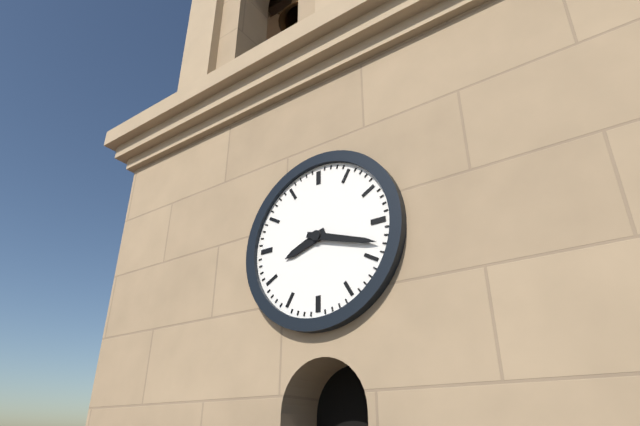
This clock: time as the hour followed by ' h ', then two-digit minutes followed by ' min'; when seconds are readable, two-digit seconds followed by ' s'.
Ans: 8 h 18 min
